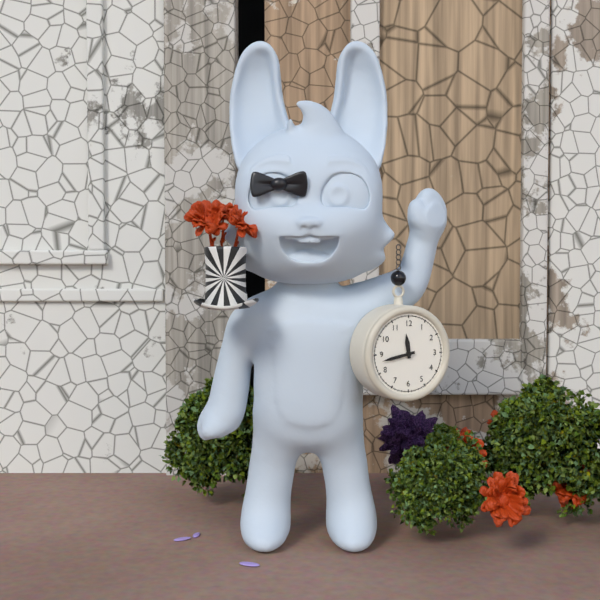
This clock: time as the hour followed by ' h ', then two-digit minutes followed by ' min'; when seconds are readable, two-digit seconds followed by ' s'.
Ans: 11 h 43 min
